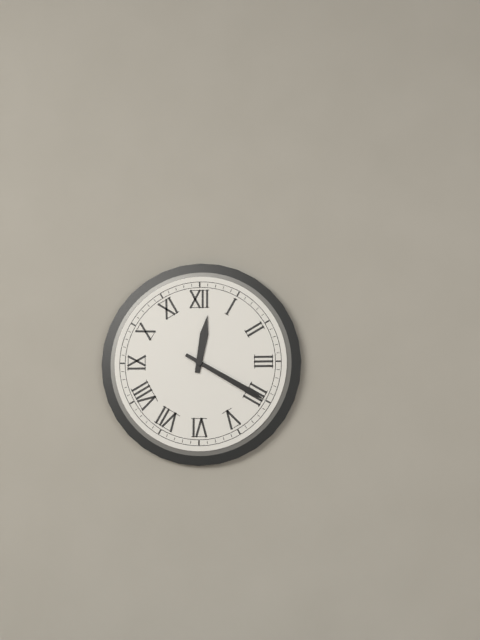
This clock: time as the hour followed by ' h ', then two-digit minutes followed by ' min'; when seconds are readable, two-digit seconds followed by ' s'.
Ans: 12 h 20 min
